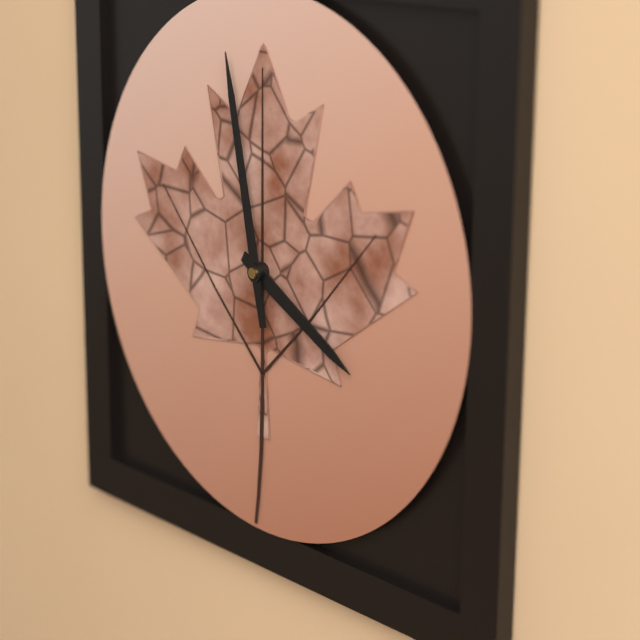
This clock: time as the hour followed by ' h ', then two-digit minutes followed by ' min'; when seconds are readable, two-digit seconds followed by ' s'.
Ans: 3 h 58 min
